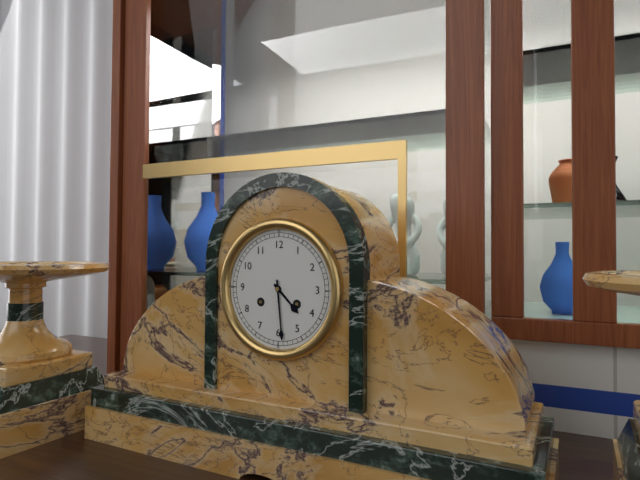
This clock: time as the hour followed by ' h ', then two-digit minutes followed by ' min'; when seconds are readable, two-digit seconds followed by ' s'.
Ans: 4 h 29 min
